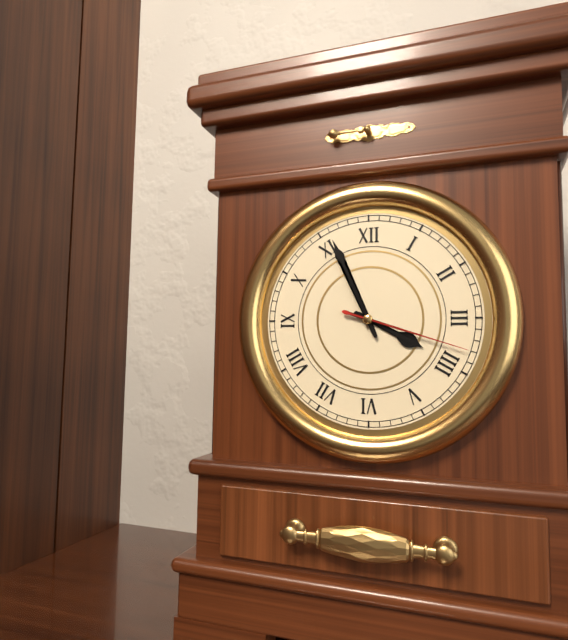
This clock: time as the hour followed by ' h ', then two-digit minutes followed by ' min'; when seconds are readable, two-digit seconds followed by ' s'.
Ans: 3 h 56 min 18 s
